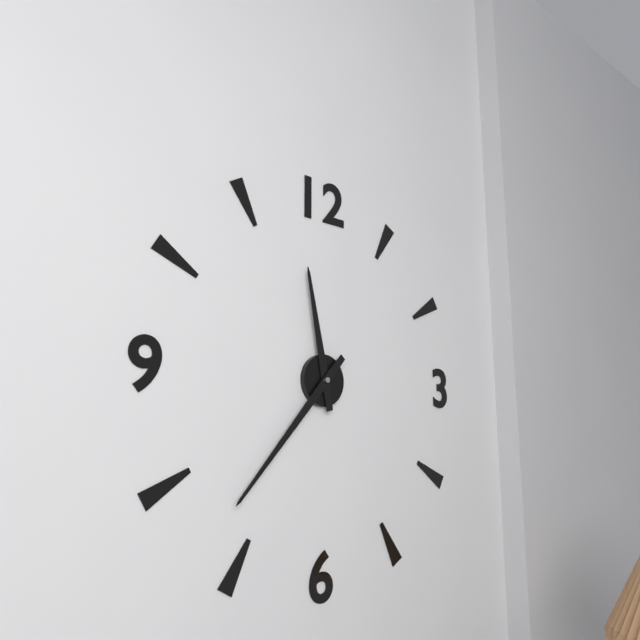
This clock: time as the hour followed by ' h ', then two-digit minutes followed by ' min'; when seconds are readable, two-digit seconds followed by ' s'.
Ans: 11 h 37 min
